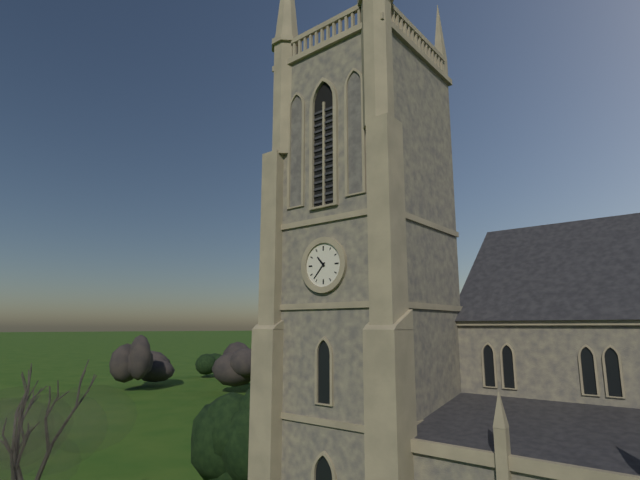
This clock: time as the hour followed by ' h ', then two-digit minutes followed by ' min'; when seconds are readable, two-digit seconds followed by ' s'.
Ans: 10 h 37 min
